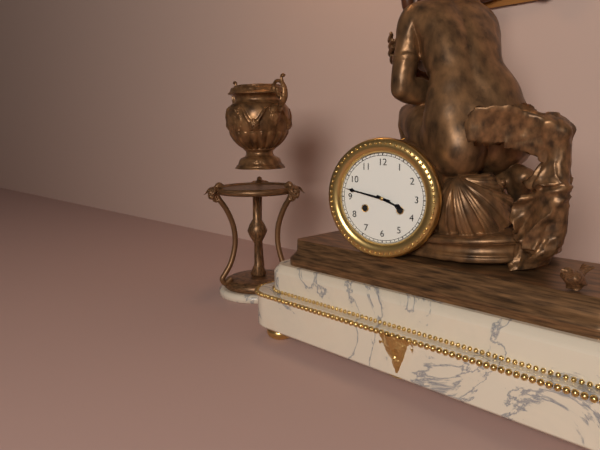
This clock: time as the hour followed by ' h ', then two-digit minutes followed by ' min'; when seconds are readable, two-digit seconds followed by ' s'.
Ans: 3 h 47 min
